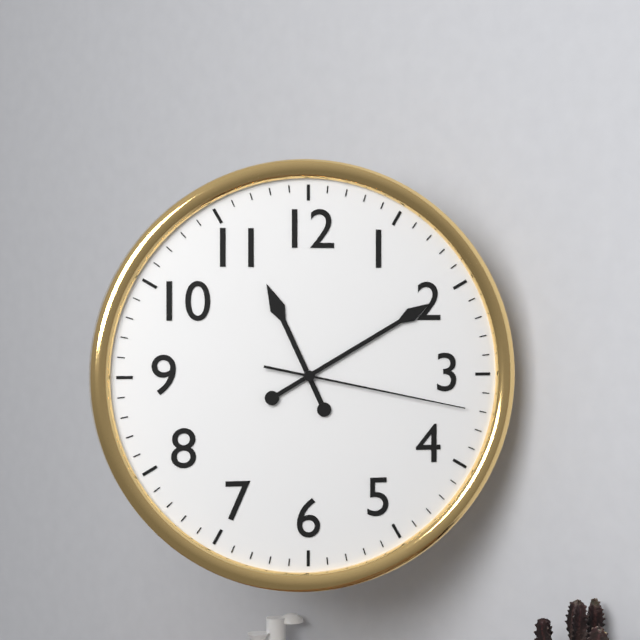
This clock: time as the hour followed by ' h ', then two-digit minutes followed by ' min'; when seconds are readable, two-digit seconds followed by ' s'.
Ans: 11 h 10 min 17 s
